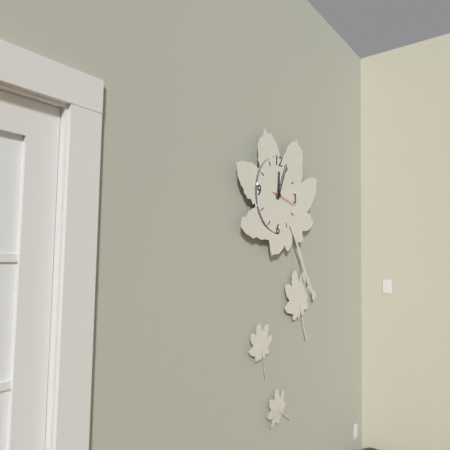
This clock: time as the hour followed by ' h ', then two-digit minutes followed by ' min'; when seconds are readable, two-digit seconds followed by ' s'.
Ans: 12 h 04 min
